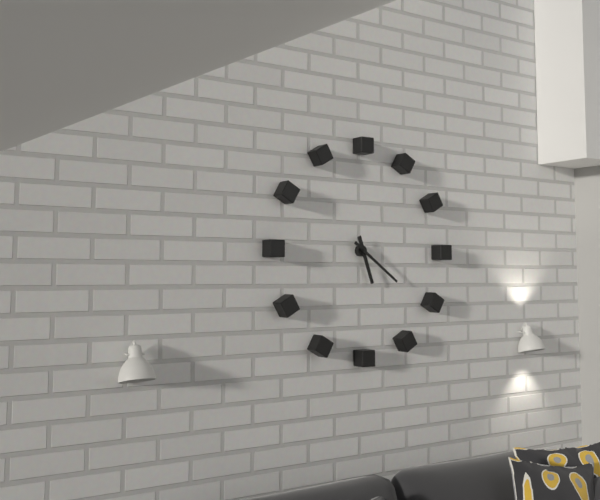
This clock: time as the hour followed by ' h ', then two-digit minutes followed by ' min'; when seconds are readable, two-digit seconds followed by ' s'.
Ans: 5 h 21 min
